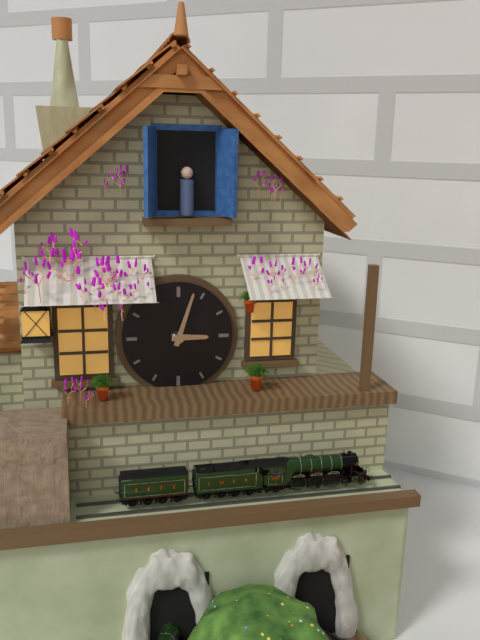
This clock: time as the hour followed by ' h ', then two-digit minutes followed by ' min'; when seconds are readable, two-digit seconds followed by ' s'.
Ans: 3 h 03 min
